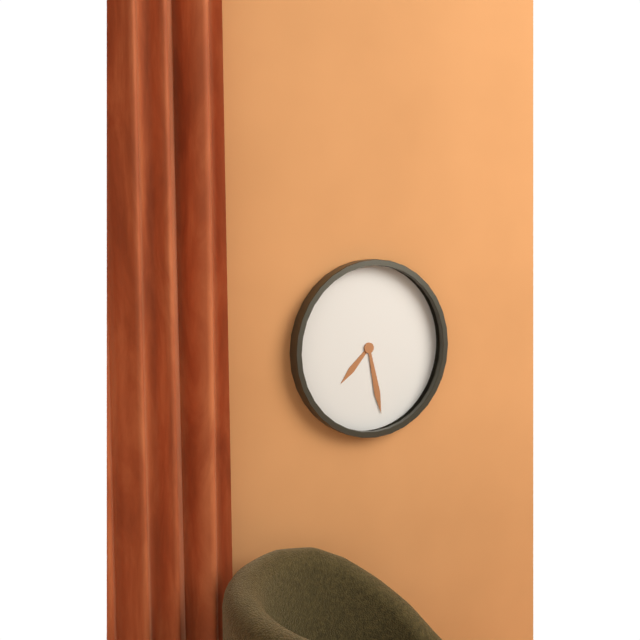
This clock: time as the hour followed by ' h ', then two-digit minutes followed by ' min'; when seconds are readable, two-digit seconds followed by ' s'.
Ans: 7 h 28 min
